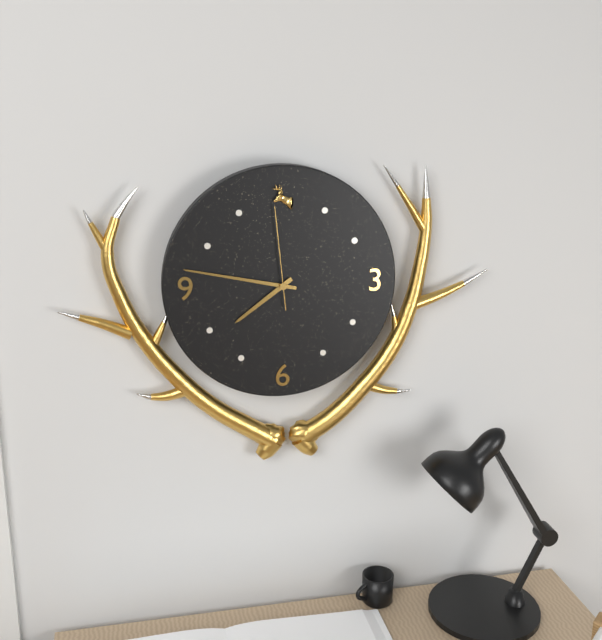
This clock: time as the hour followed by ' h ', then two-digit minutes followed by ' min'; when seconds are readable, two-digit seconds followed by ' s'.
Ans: 7 h 47 min 59 s
